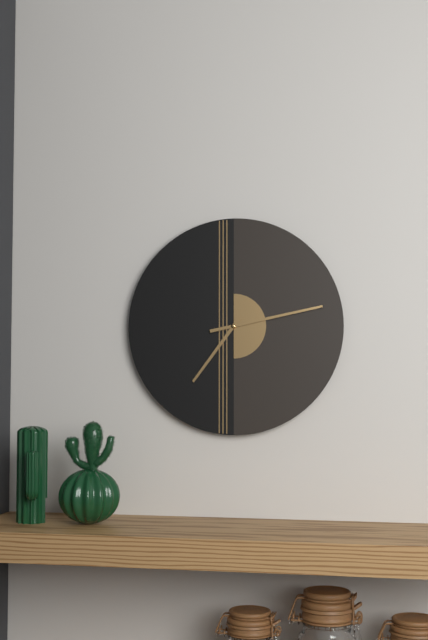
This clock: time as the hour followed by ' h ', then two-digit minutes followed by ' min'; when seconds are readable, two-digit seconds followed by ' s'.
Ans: 7 h 13 min
